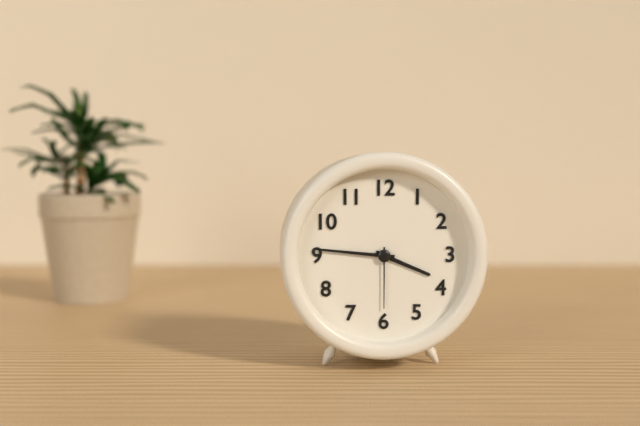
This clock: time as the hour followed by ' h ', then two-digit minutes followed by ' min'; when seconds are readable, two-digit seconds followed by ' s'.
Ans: 3 h 46 min 30 s
